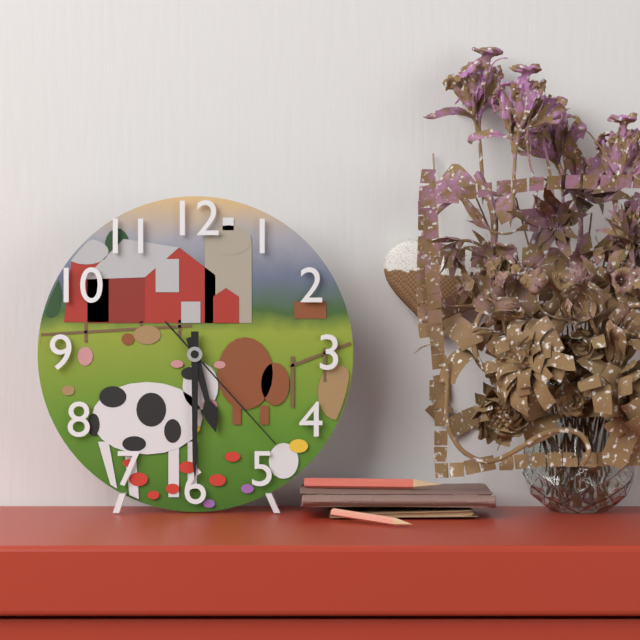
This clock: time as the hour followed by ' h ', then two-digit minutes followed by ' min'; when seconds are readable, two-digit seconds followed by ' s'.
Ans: 5 h 30 min 23 s
